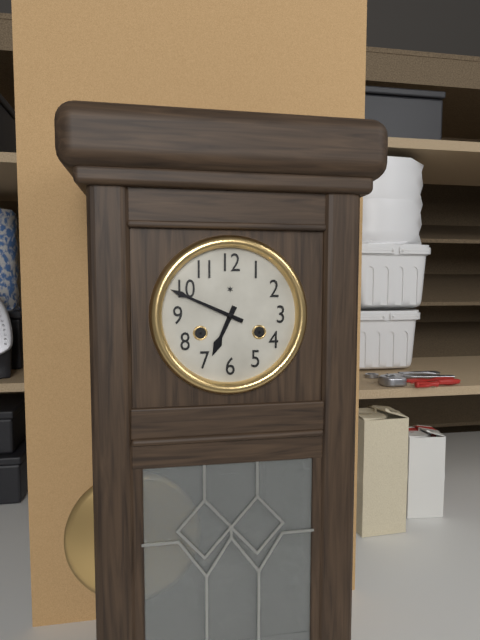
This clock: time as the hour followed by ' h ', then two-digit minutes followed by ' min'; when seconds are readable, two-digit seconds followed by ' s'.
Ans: 6 h 49 min
